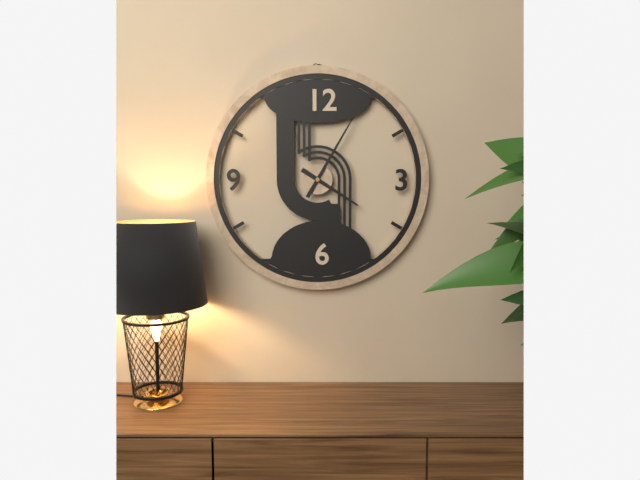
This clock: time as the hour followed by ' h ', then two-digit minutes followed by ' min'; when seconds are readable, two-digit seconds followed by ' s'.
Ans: 4 h 05 min
